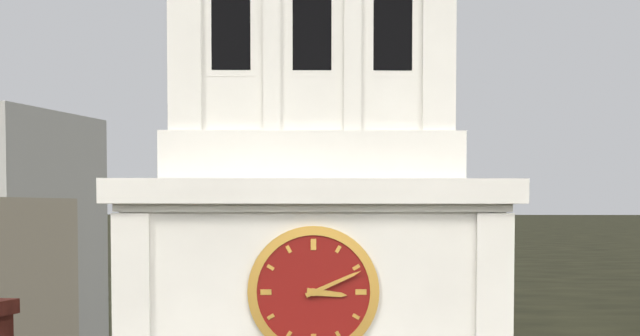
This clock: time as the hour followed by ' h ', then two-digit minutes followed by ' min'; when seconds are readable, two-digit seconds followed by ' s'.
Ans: 3 h 11 min
